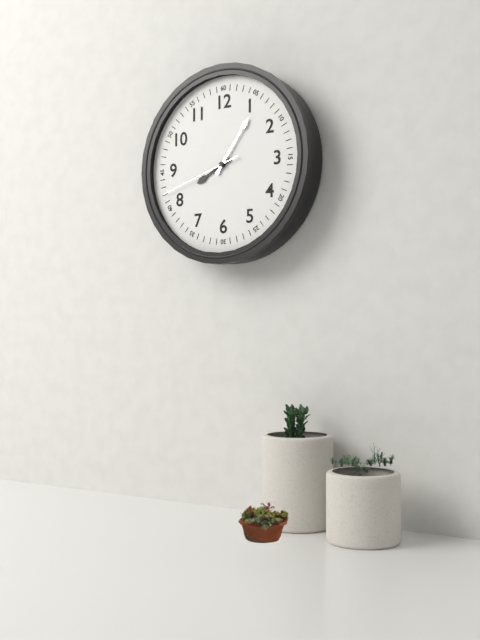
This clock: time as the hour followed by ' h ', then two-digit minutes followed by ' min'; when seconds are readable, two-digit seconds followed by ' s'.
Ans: 8 h 06 min 42 s
